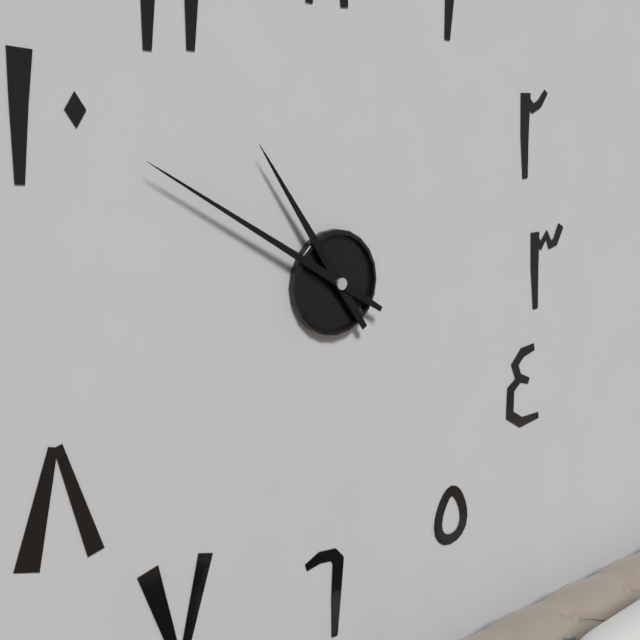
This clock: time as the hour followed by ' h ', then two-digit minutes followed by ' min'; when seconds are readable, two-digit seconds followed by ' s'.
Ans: 10 h 50 min
